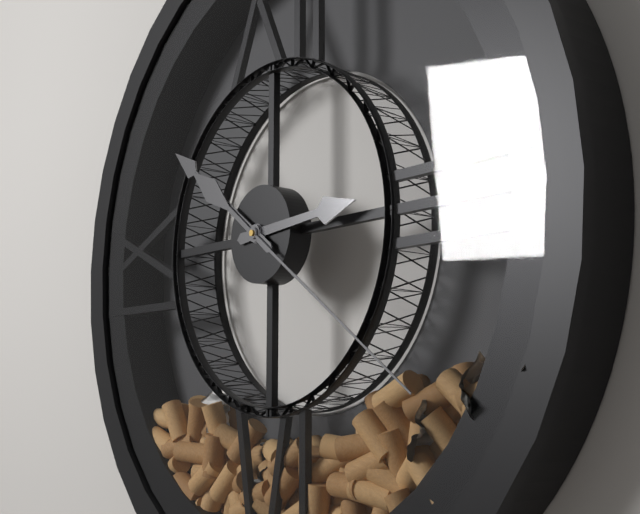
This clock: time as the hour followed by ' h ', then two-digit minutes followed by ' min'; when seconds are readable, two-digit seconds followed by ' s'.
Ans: 2 h 51 min 21 s
